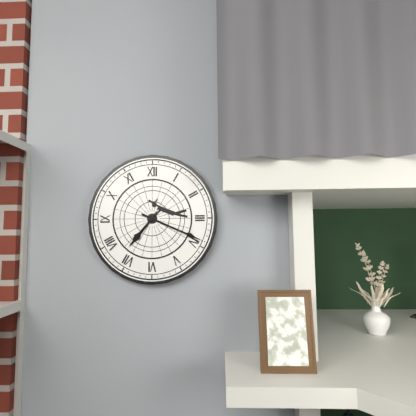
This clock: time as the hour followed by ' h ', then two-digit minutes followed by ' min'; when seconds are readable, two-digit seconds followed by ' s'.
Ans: 7 h 19 min
